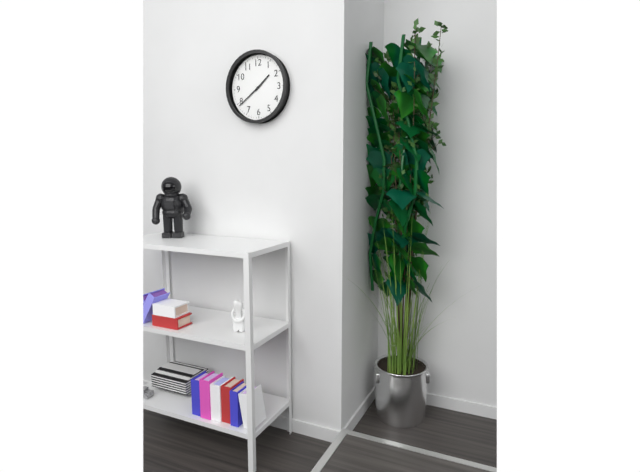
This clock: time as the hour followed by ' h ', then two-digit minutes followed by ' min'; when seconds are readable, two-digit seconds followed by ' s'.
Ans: 1 h 39 min
